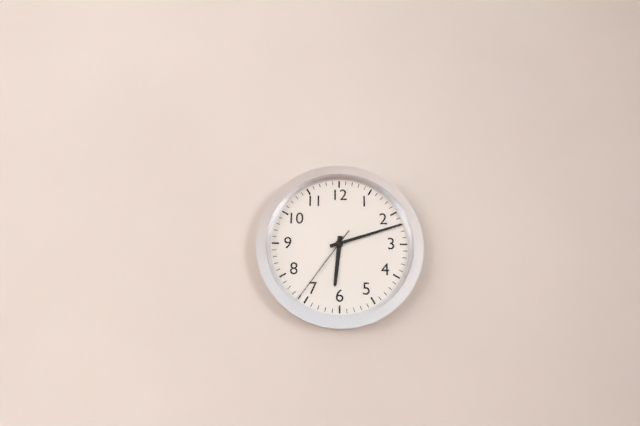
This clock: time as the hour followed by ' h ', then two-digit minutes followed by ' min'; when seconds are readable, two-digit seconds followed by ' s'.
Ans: 6 h 12 min 36 s
